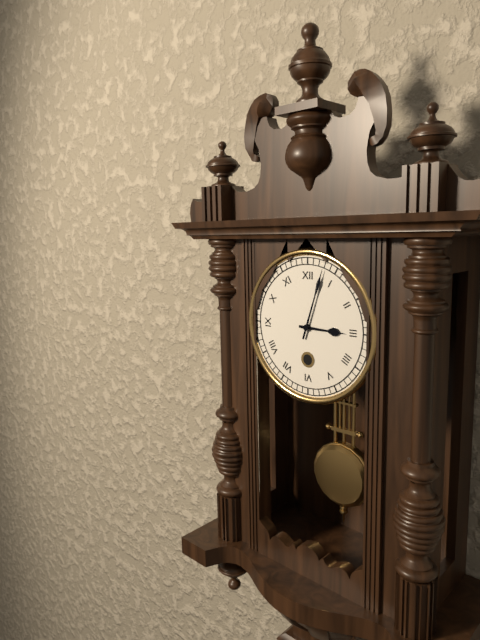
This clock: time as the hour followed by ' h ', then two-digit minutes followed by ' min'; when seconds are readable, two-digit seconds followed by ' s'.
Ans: 3 h 03 min
